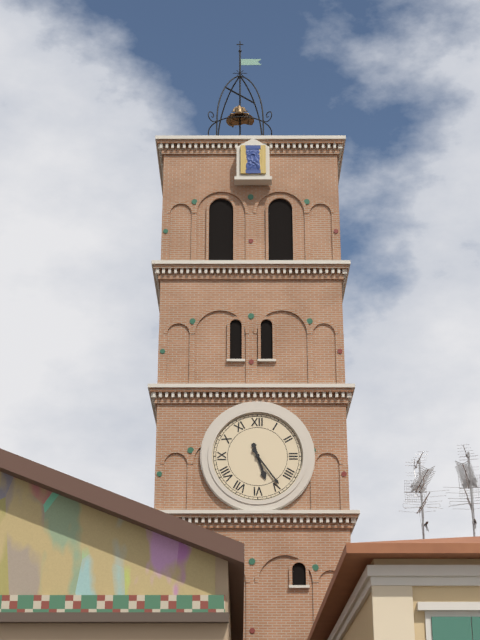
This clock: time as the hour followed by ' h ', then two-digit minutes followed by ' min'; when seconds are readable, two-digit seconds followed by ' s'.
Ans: 5 h 24 min
